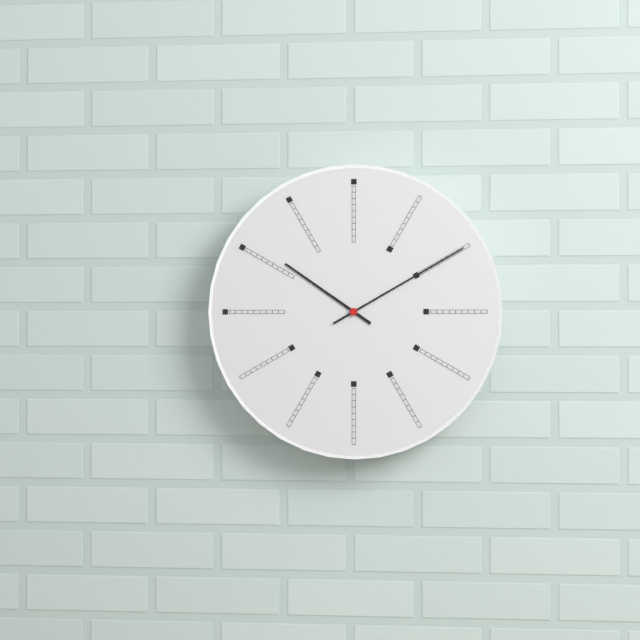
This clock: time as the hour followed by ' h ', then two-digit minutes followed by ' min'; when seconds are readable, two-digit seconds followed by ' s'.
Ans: 10 h 10 min
